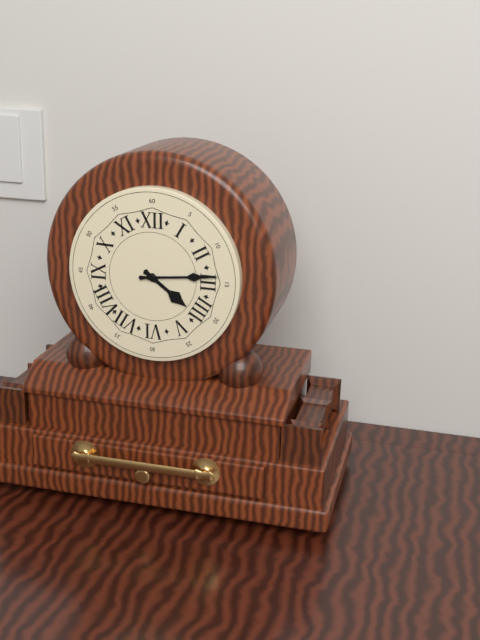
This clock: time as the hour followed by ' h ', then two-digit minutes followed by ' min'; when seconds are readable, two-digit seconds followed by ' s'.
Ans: 4 h 14 min
